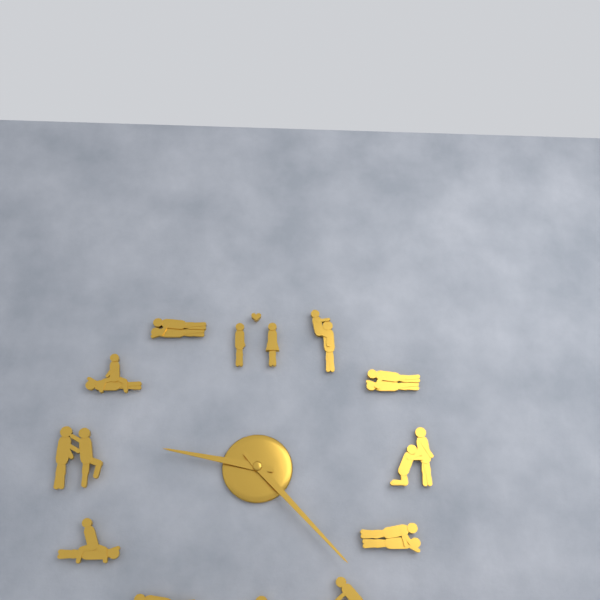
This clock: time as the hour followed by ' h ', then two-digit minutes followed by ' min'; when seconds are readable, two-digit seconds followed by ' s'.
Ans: 9 h 23 min
